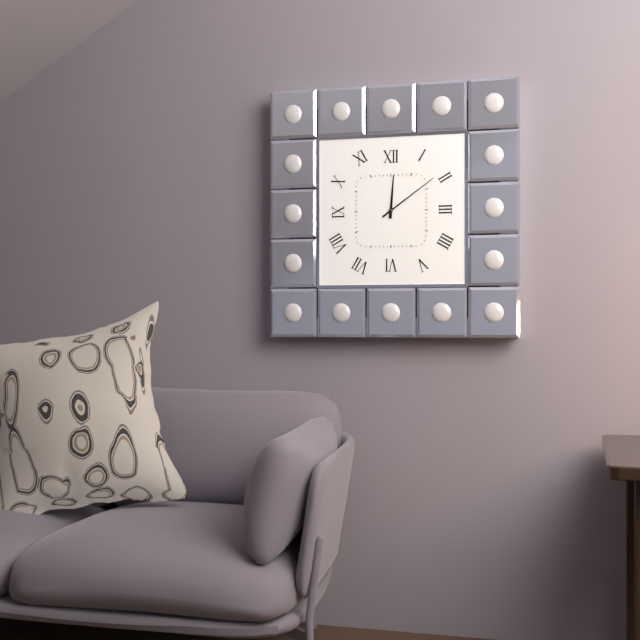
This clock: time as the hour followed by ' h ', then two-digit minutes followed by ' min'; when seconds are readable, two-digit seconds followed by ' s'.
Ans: 12 h 09 min
